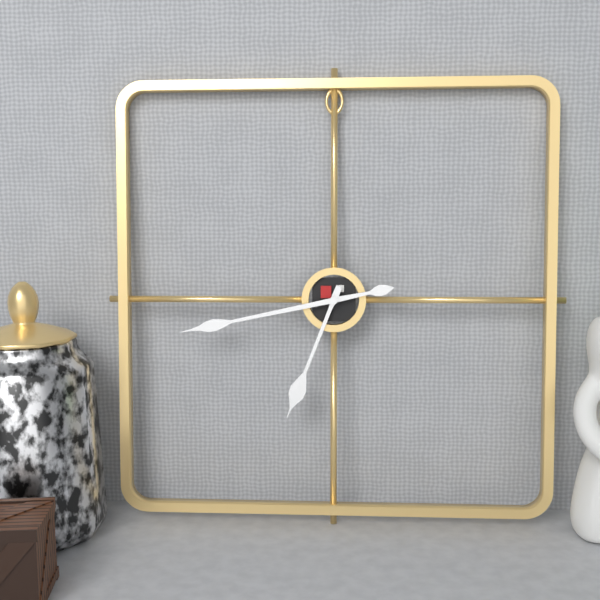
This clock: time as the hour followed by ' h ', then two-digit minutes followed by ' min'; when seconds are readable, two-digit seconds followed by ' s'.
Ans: 6 h 43 min
